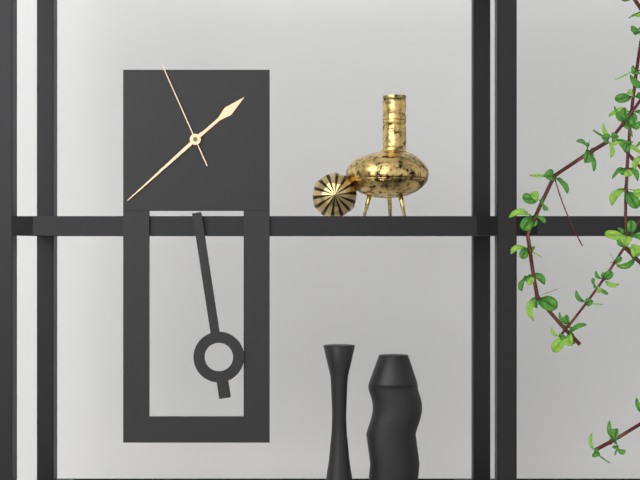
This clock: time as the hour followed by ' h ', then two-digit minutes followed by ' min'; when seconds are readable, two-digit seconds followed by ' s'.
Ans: 1 h 38 min 56 s
